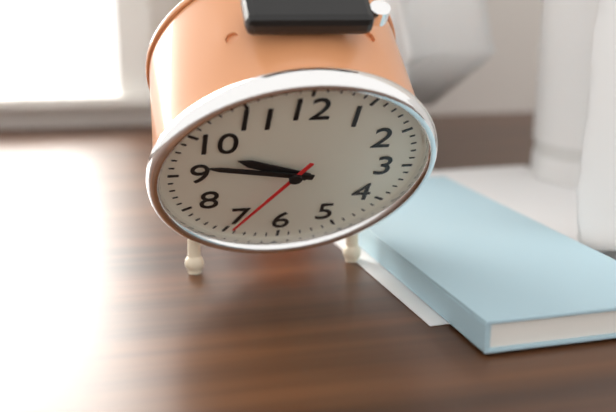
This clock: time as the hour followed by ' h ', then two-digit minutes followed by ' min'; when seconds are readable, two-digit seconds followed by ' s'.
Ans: 9 h 47 min 35 s
